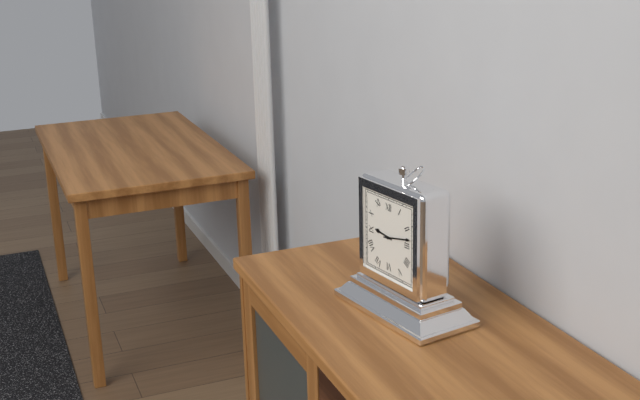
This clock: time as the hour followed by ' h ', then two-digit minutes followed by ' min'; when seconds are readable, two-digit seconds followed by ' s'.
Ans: 9 h 13 min
